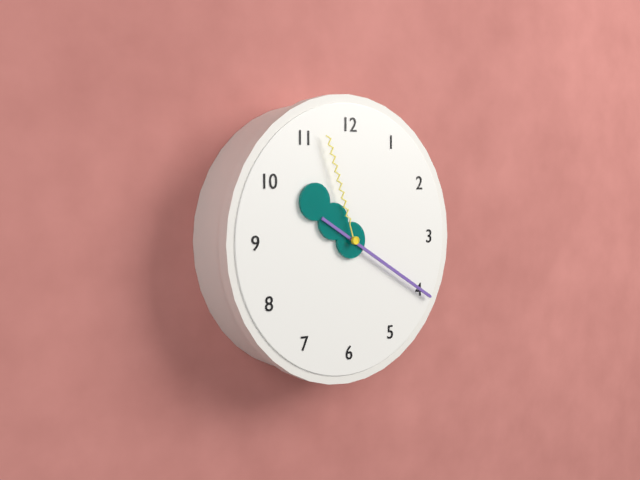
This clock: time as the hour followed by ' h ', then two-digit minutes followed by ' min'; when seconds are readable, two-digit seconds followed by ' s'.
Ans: 10 h 20 min 57 s
